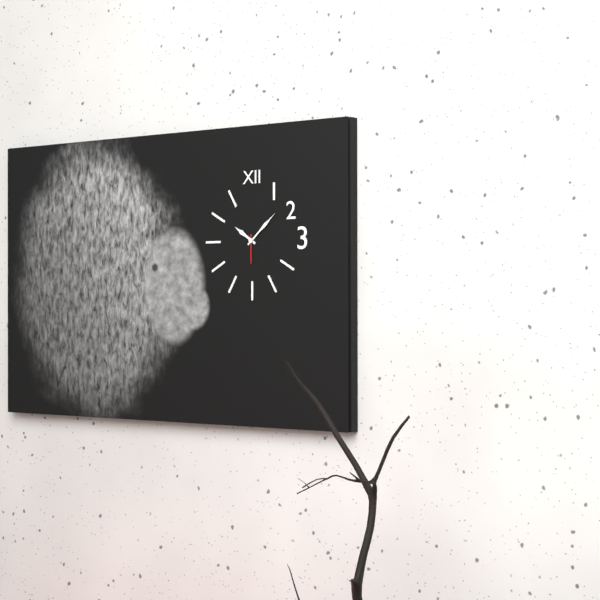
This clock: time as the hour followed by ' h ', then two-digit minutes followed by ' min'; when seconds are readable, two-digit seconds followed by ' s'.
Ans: 10 h 08 min
